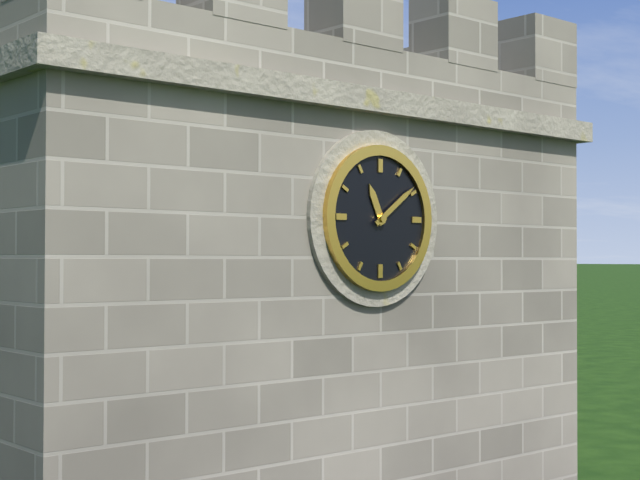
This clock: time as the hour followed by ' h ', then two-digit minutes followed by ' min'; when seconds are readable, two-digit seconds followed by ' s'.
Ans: 11 h 09 min
